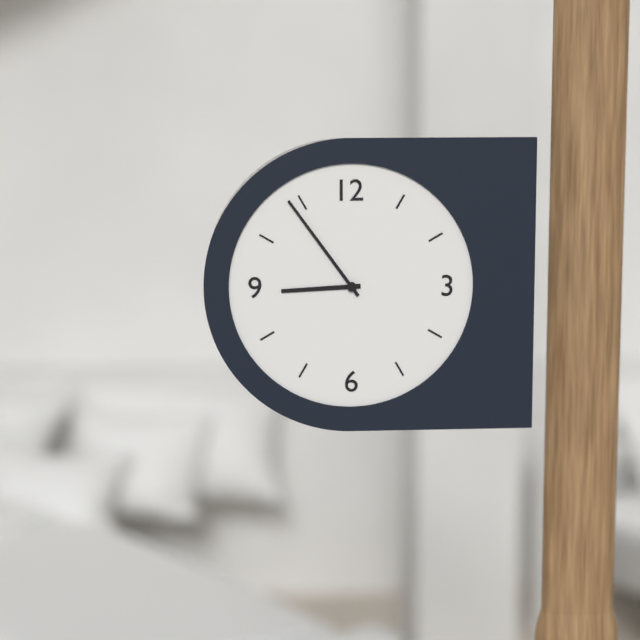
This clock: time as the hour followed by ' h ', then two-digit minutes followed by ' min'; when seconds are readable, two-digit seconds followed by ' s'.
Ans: 8 h 54 min
